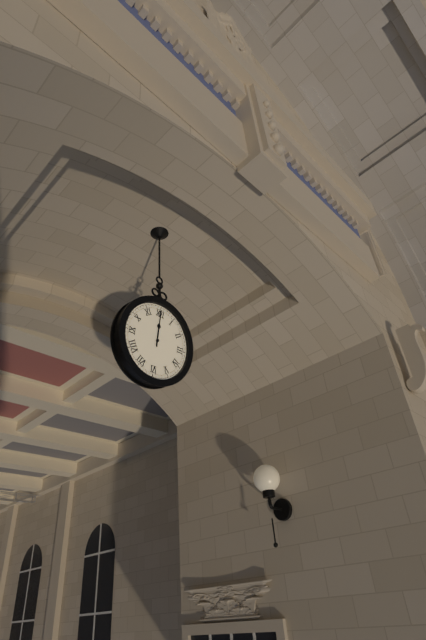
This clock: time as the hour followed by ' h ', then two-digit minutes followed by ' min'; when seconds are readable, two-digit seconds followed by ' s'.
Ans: 12 h 00 min
